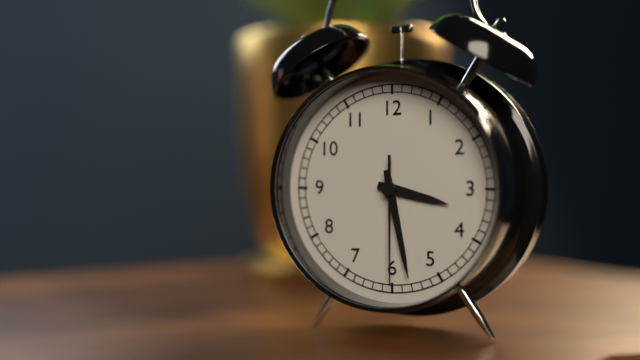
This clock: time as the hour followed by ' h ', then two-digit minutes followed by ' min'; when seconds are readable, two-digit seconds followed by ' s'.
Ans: 3 h 28 min 30 s
